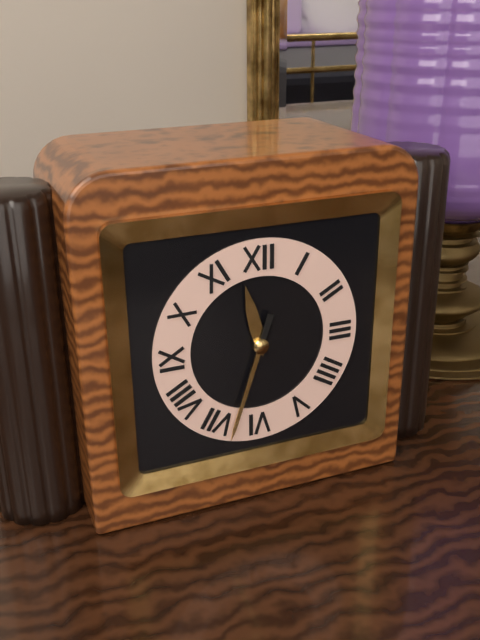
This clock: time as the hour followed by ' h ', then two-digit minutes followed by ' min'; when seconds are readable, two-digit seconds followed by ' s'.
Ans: 11 h 33 min
